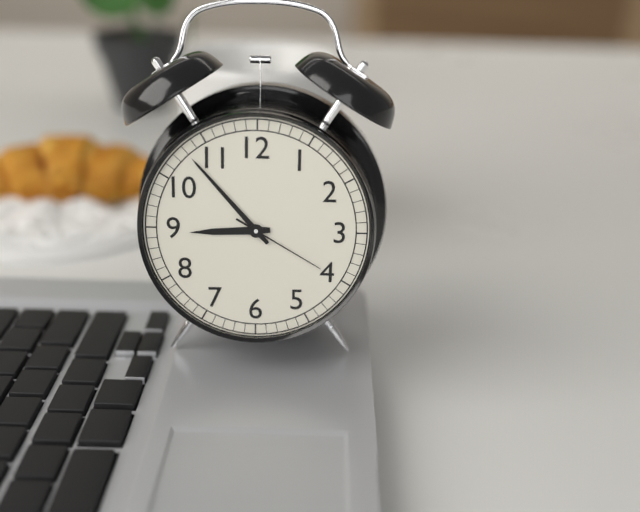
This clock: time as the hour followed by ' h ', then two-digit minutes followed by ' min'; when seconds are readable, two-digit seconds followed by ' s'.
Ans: 8 h 53 min 20 s
